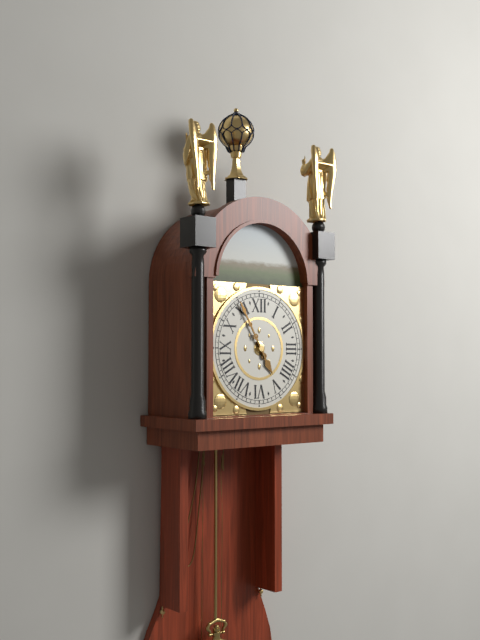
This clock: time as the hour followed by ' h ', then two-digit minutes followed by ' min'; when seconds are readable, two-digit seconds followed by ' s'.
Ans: 4 h 55 min
